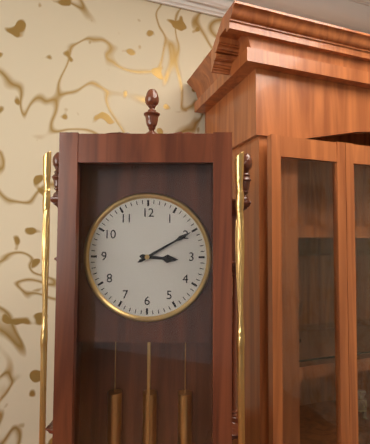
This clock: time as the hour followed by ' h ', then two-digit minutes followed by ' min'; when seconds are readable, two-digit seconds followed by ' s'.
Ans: 3 h 10 min
